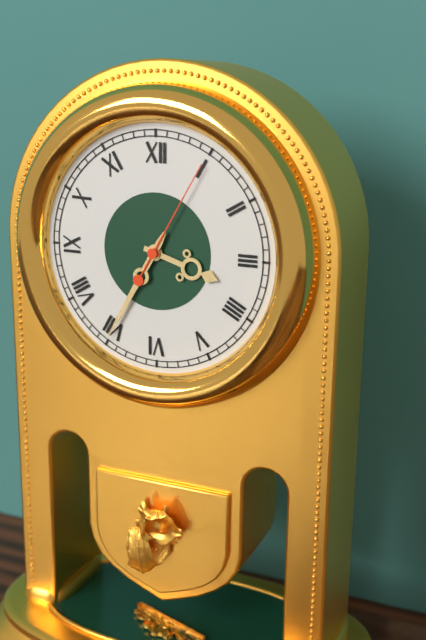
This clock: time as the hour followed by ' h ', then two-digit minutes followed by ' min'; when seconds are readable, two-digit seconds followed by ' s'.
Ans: 3 h 35 min 05 s
